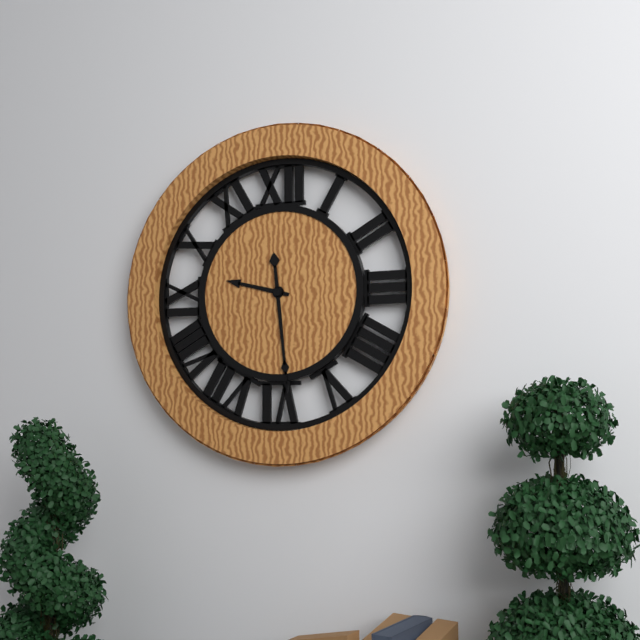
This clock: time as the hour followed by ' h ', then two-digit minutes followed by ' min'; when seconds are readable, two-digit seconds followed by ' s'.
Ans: 9 h 29 min
